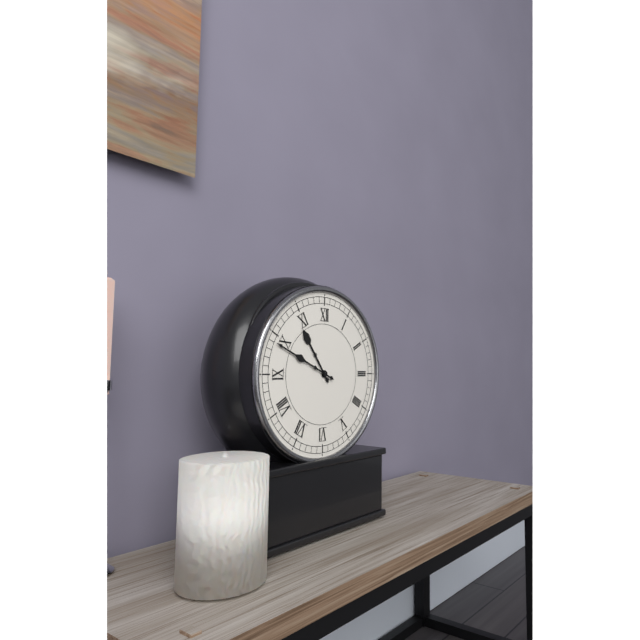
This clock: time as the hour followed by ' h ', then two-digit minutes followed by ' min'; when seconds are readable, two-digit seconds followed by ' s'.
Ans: 10 h 49 min
